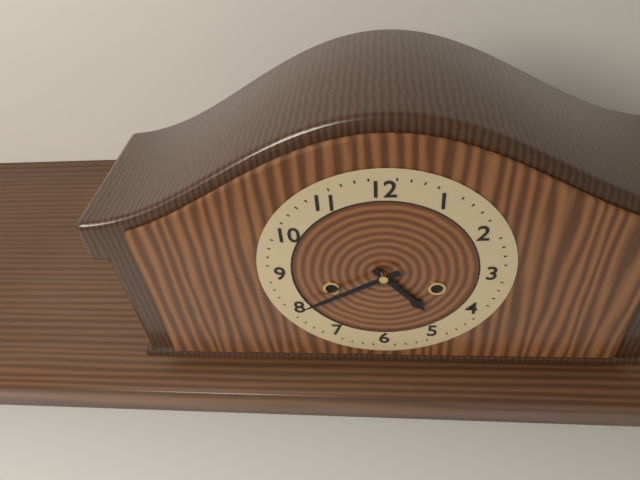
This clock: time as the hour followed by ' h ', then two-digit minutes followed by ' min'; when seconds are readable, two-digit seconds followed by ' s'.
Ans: 4 h 40 min
